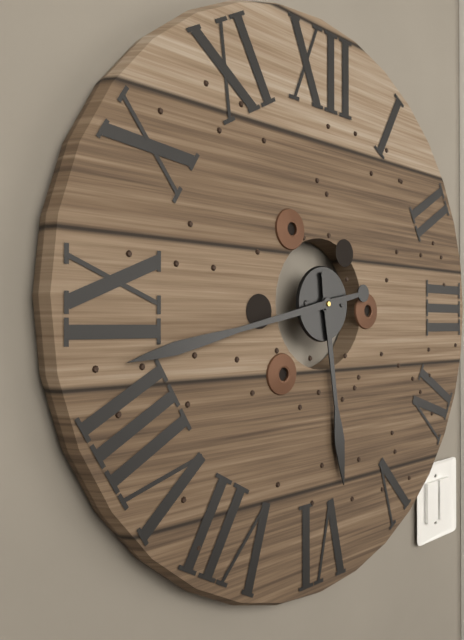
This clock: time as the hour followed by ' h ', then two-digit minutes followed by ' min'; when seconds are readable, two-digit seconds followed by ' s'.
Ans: 5 h 43 min
